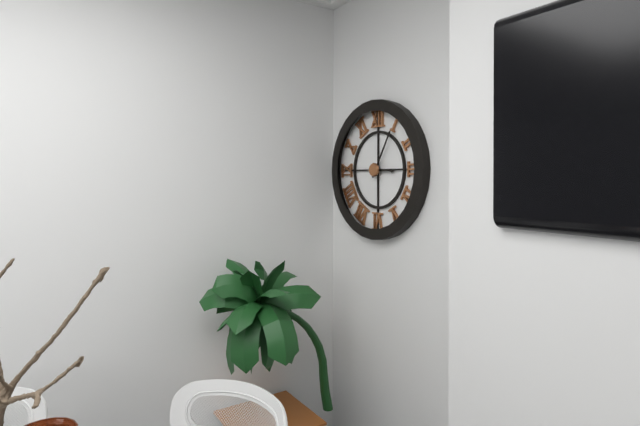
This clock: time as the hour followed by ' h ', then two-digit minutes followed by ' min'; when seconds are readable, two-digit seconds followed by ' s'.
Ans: 3 h 05 min
